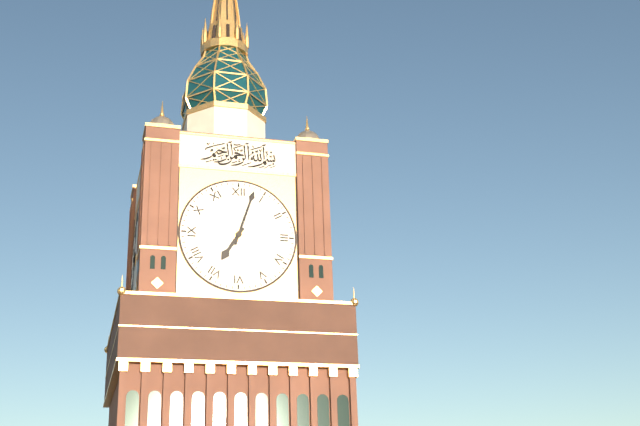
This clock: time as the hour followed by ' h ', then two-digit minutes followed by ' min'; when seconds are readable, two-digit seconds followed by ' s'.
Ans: 7 h 03 min
